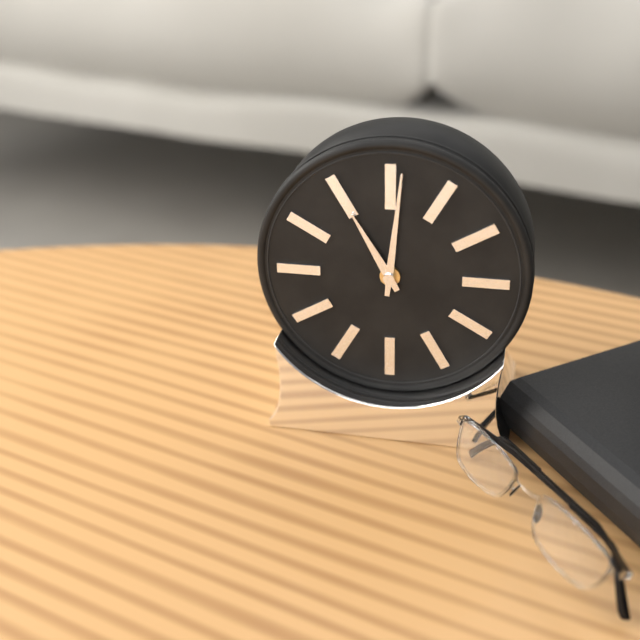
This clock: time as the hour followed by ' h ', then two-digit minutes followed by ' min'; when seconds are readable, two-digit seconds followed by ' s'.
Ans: 11 h 01 min
